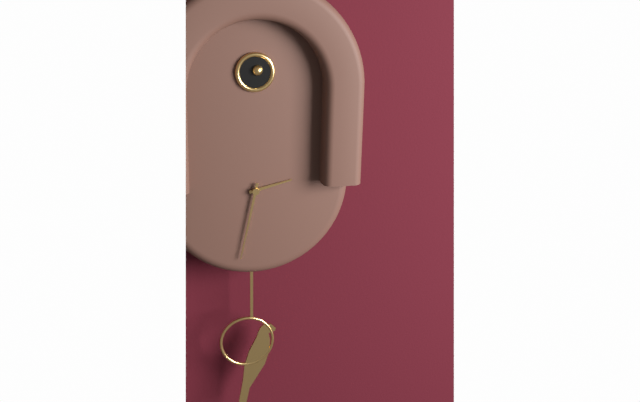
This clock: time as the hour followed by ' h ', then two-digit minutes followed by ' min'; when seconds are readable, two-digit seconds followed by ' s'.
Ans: 2 h 32 min
